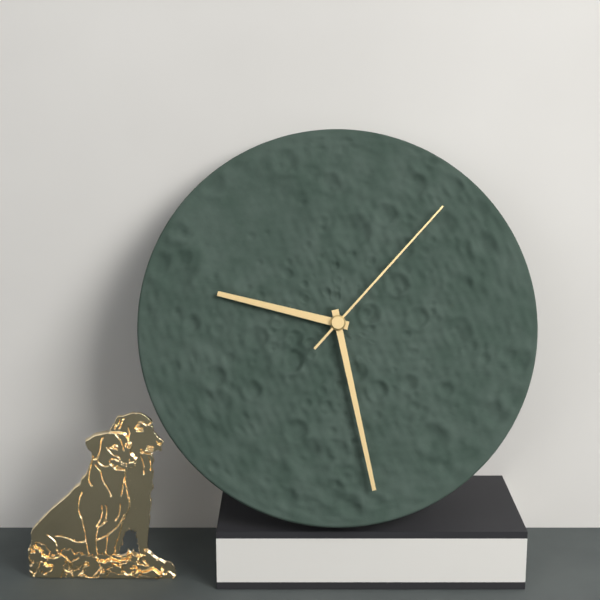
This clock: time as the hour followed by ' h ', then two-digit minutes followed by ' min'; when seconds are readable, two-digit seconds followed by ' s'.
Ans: 9 h 28 min 07 s
